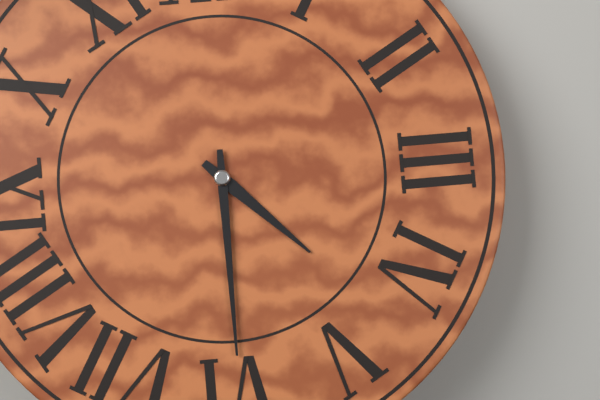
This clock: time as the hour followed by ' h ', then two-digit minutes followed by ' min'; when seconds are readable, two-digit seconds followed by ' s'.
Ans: 4 h 30 min
